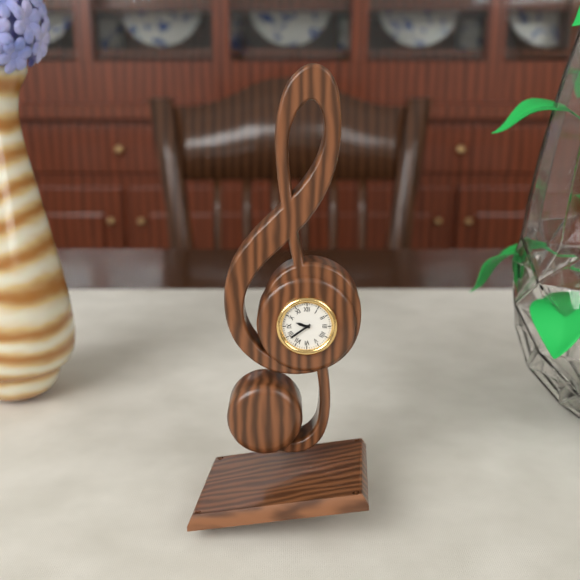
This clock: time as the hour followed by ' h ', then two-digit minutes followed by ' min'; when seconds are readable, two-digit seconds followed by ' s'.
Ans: 9 h 39 min
